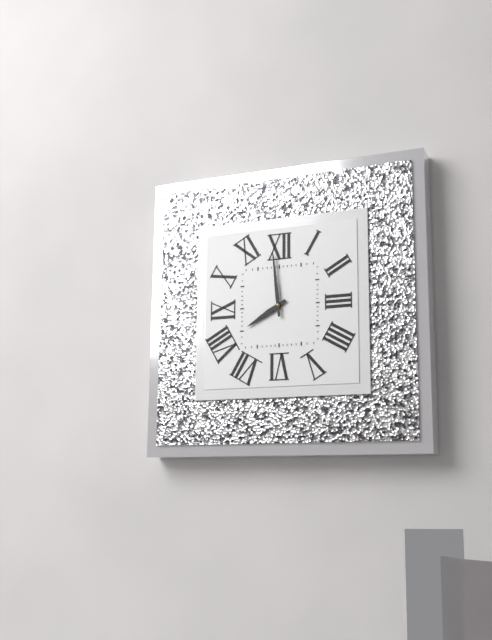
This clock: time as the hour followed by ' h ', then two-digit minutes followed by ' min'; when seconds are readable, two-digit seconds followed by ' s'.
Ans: 7 h 59 min
